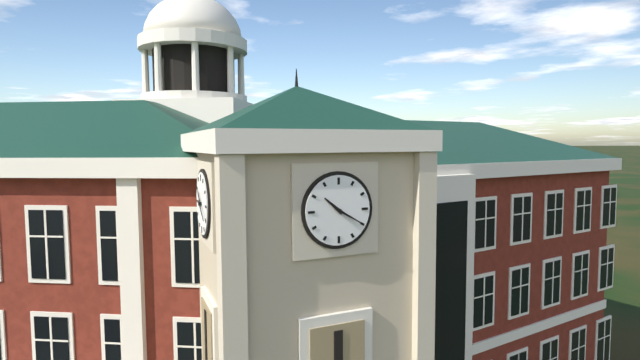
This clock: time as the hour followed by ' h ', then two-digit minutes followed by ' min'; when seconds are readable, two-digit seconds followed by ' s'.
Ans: 10 h 20 min
